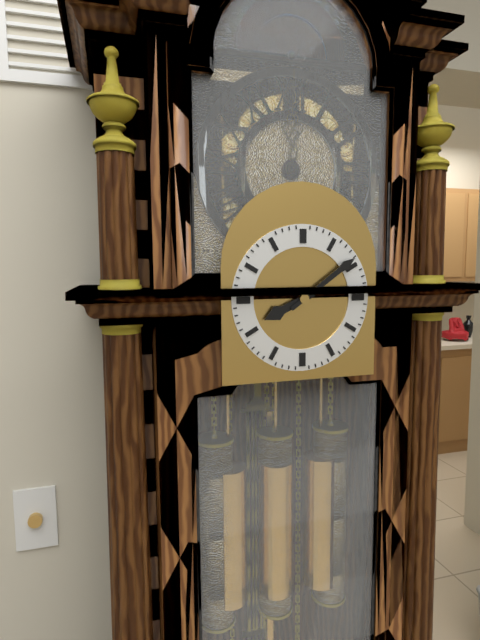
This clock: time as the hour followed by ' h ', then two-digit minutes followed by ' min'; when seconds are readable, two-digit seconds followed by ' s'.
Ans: 8 h 09 min
